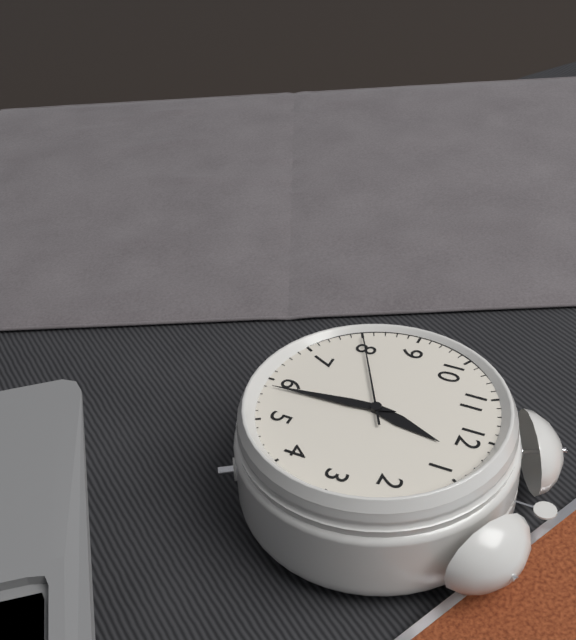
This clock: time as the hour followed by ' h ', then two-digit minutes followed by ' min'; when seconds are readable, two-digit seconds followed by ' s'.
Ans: 12 h 29 min 40 s
